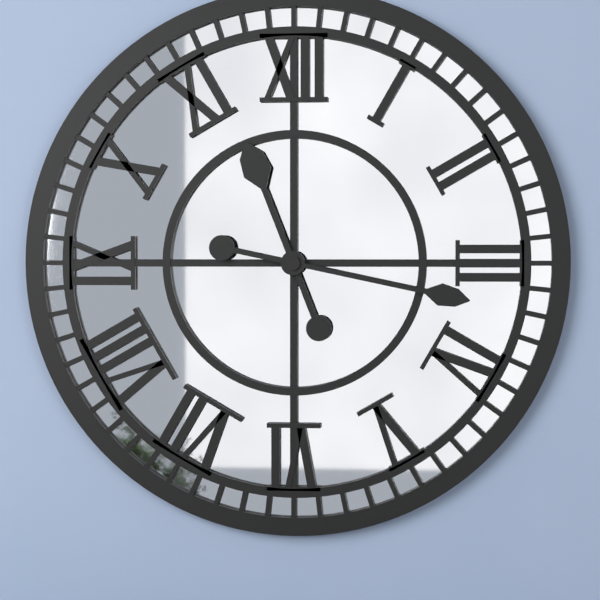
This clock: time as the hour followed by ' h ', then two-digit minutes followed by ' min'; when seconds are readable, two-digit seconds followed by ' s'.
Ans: 11 h 17 min
